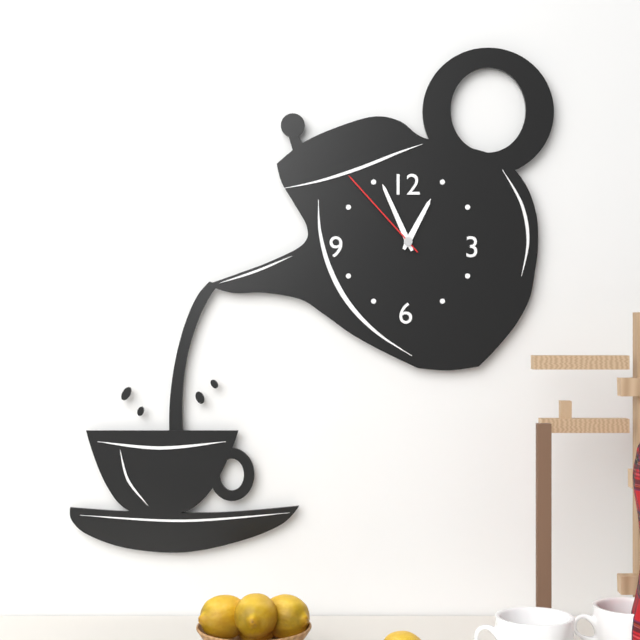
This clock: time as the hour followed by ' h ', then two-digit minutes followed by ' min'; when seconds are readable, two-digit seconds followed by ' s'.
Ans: 12 h 56 min 53 s
